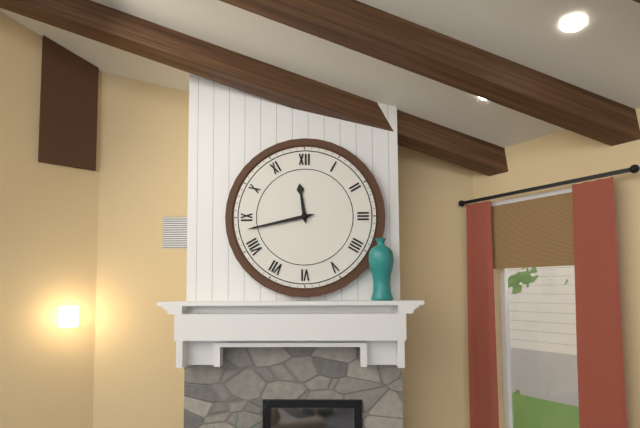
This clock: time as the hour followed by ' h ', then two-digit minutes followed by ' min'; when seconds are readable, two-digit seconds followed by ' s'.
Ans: 11 h 43 min
